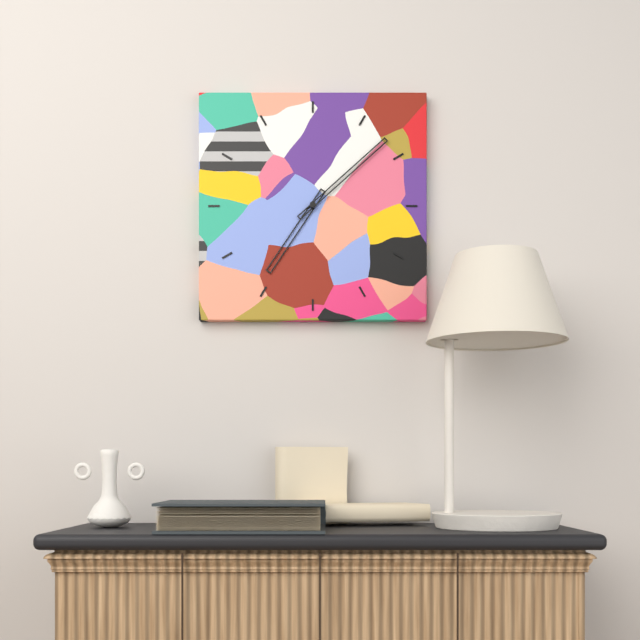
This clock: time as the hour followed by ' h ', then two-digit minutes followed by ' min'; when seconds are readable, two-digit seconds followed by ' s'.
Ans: 7 h 08 min
